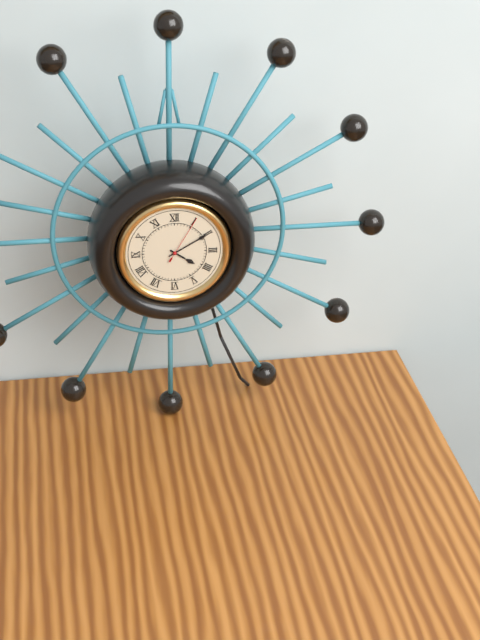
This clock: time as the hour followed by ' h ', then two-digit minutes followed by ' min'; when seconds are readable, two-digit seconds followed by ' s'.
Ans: 4 h 10 min
